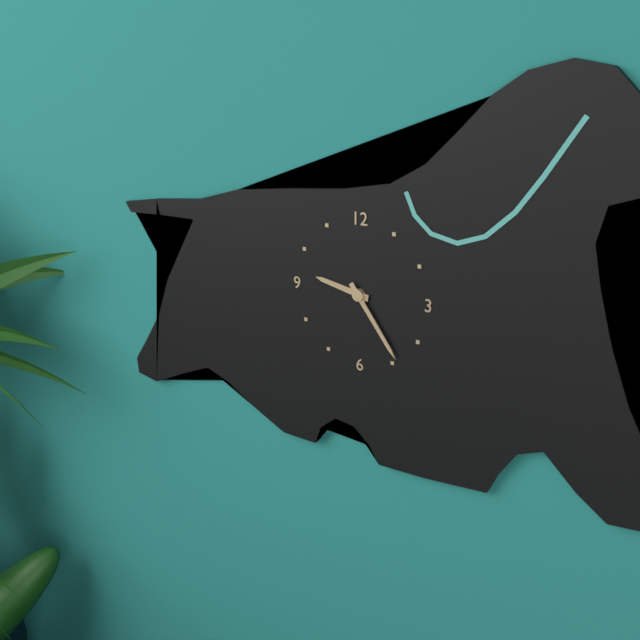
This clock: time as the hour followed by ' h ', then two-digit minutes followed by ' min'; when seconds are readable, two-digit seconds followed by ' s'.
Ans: 9 h 24 min
